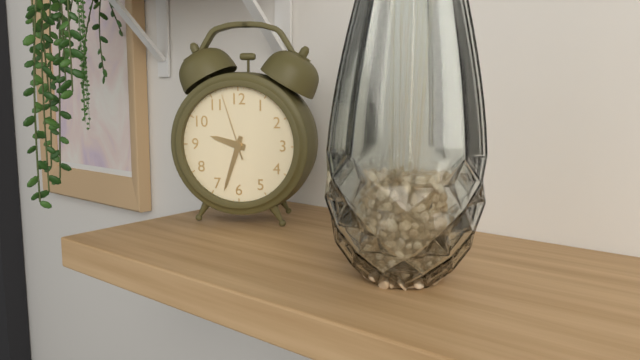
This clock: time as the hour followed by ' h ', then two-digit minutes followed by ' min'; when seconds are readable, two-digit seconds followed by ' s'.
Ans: 9 h 33 min 57 s
